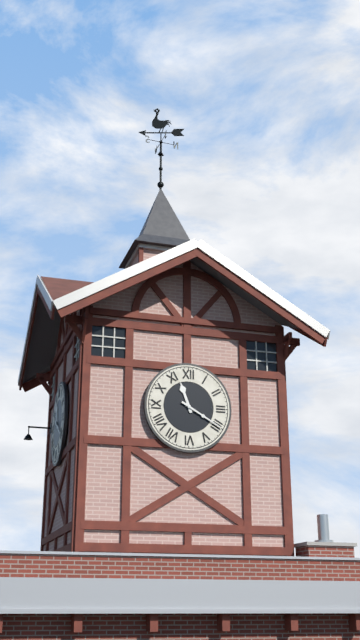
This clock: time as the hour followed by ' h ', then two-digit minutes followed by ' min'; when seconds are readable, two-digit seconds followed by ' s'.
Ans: 11 h 20 min
